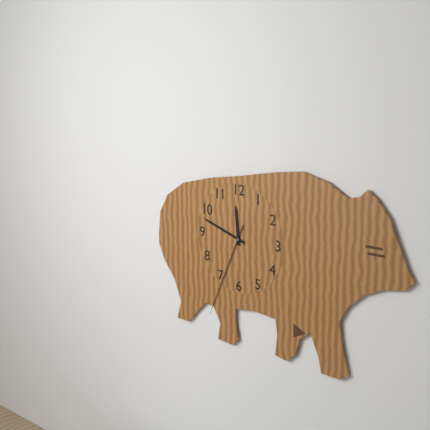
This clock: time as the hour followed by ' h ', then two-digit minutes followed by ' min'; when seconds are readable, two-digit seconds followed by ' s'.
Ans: 11 h 48 min 34 s
